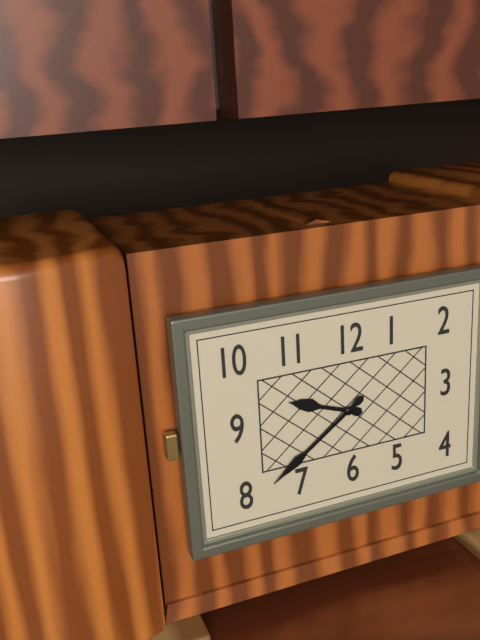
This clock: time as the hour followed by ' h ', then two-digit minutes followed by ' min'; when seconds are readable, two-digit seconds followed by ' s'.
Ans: 9 h 39 min
